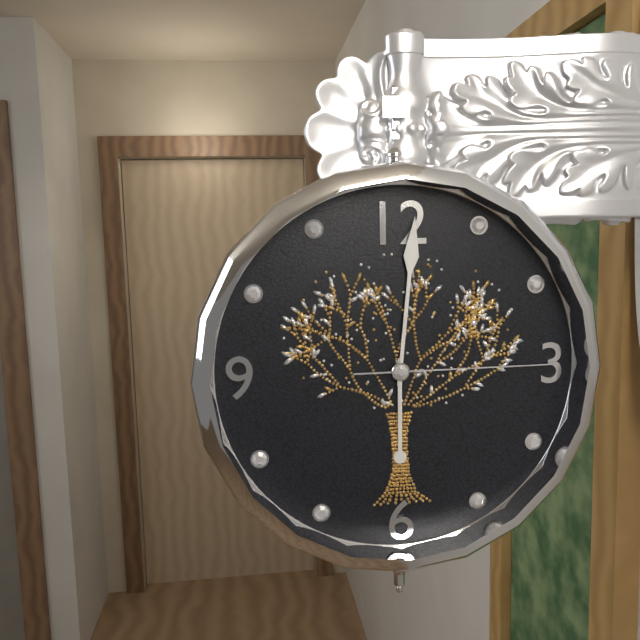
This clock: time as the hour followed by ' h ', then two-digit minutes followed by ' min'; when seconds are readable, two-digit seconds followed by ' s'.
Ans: 6 h 01 min 15 s
